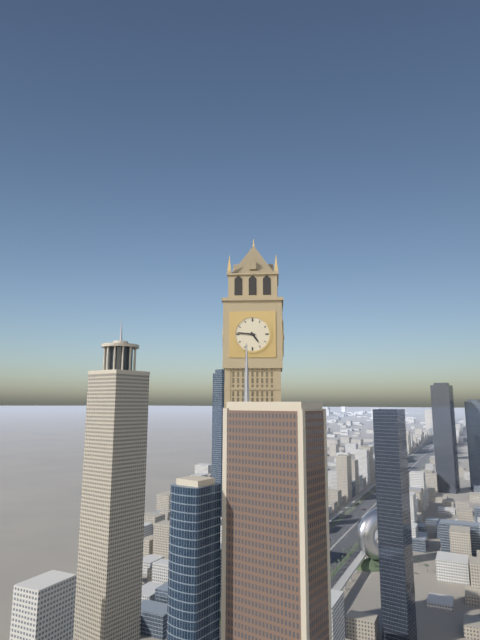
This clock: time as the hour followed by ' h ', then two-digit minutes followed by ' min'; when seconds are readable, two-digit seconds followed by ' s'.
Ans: 4 h 46 min
